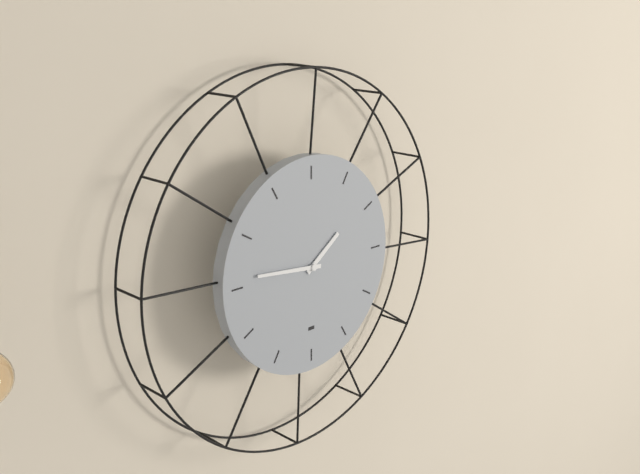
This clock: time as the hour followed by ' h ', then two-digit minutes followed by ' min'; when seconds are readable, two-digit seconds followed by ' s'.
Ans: 1 h 46 min
